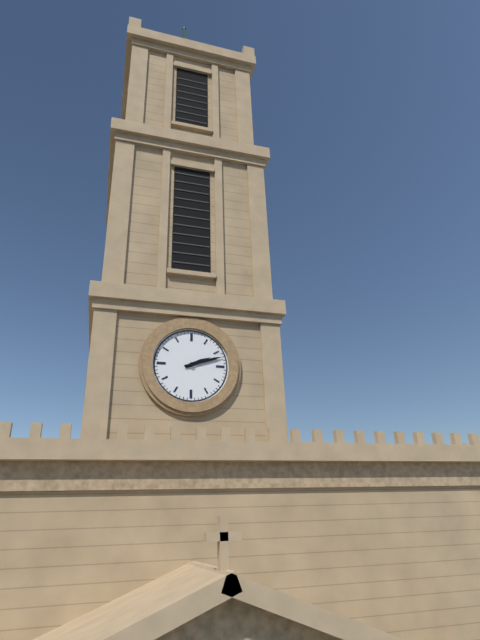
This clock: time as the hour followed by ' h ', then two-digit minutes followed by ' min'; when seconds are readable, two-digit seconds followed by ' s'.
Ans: 2 h 12 min
